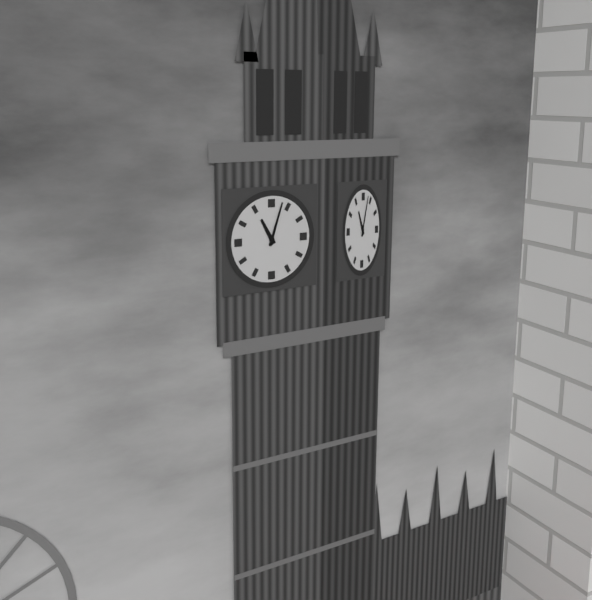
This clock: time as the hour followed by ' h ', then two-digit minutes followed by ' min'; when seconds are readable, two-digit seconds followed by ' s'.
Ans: 11 h 03 min
